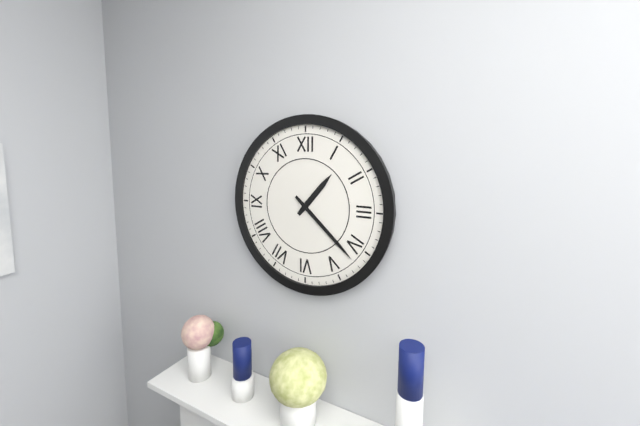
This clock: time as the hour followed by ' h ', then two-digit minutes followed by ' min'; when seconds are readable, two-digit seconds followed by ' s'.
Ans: 1 h 22 min
